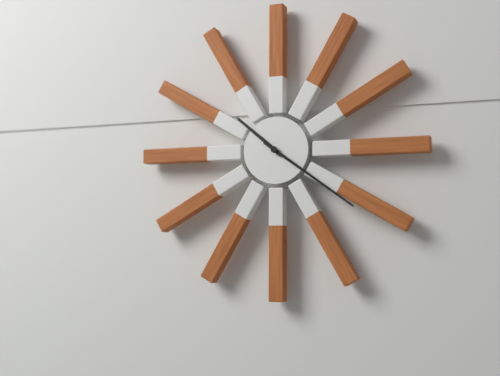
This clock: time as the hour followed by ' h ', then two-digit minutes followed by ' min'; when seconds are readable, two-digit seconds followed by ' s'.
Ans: 10 h 21 min
